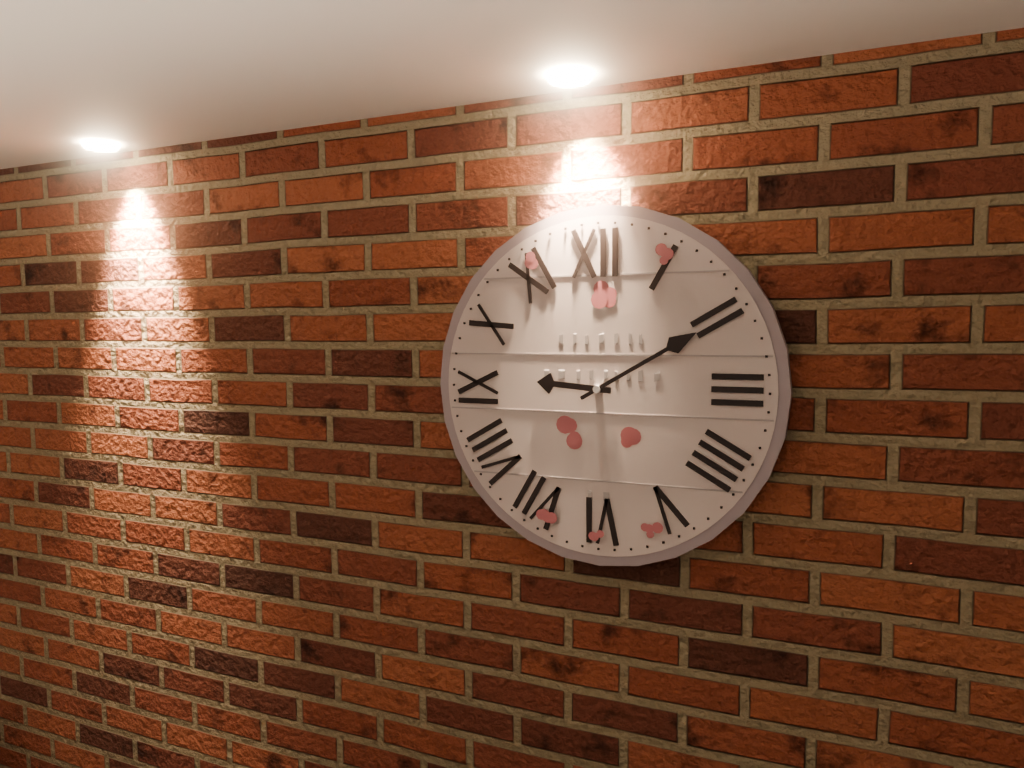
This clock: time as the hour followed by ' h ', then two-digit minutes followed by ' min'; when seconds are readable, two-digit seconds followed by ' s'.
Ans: 9 h 10 min
